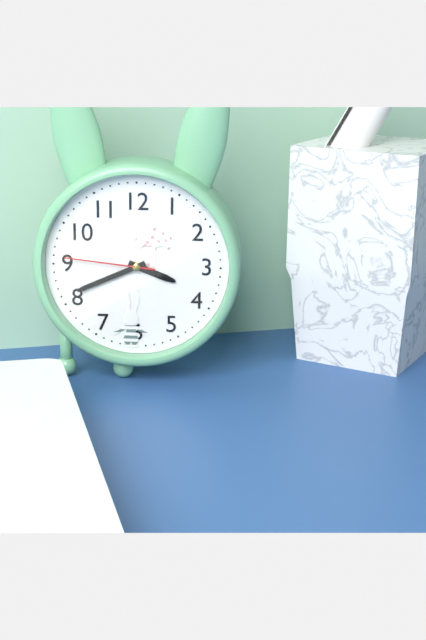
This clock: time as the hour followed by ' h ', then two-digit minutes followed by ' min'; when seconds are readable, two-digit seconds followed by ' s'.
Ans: 3 h 41 min 46 s
